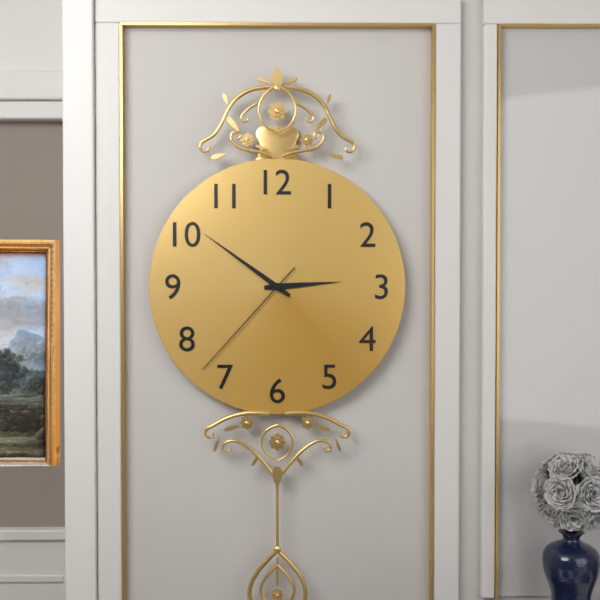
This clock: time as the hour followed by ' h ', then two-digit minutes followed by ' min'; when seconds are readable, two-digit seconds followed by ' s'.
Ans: 2 h 51 min 37 s
